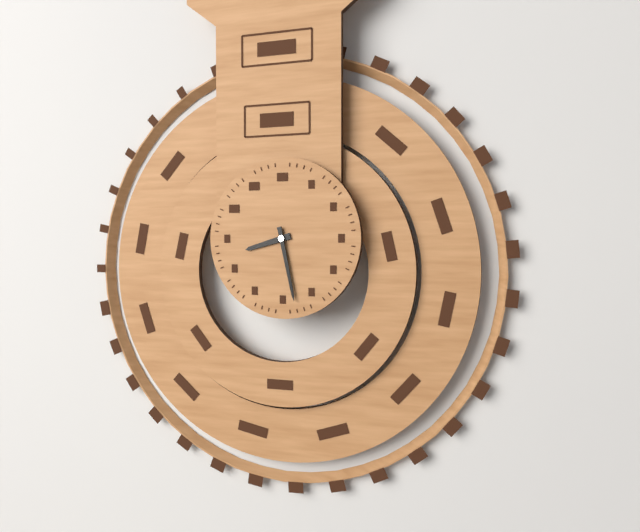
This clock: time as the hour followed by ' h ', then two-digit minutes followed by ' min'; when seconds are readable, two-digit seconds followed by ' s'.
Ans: 8 h 28 min
